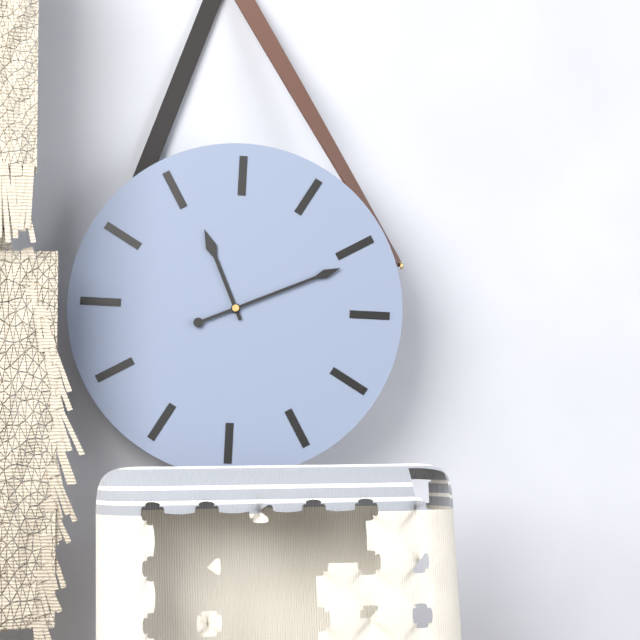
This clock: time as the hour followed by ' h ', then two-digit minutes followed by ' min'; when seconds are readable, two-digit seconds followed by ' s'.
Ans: 11 h 11 min
